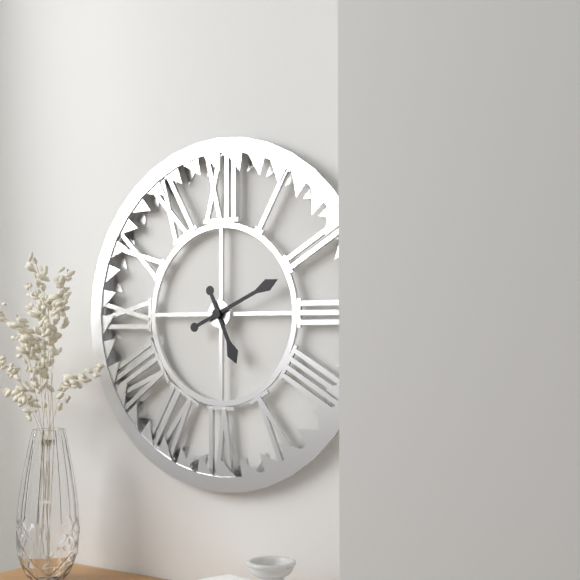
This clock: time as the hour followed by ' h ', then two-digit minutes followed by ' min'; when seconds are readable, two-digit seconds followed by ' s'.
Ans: 5 h 11 min
